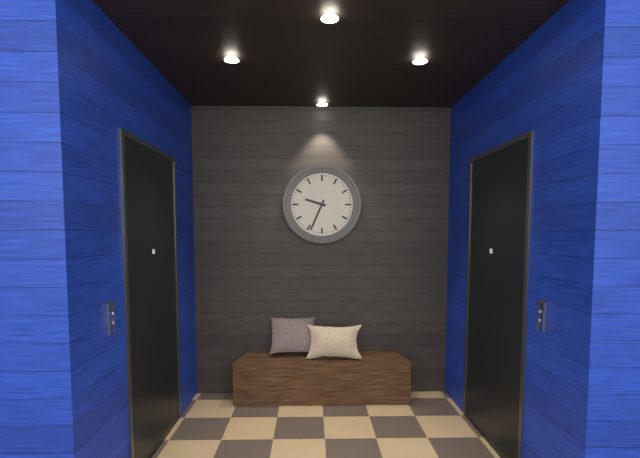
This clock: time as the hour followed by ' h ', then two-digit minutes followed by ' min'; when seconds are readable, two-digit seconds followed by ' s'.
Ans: 9 h 34 min
